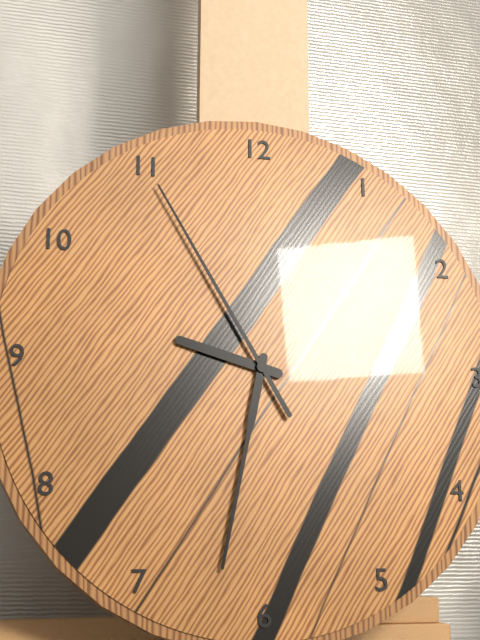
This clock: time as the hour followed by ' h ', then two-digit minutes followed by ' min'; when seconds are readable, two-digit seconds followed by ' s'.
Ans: 9 h 32 min 55 s
